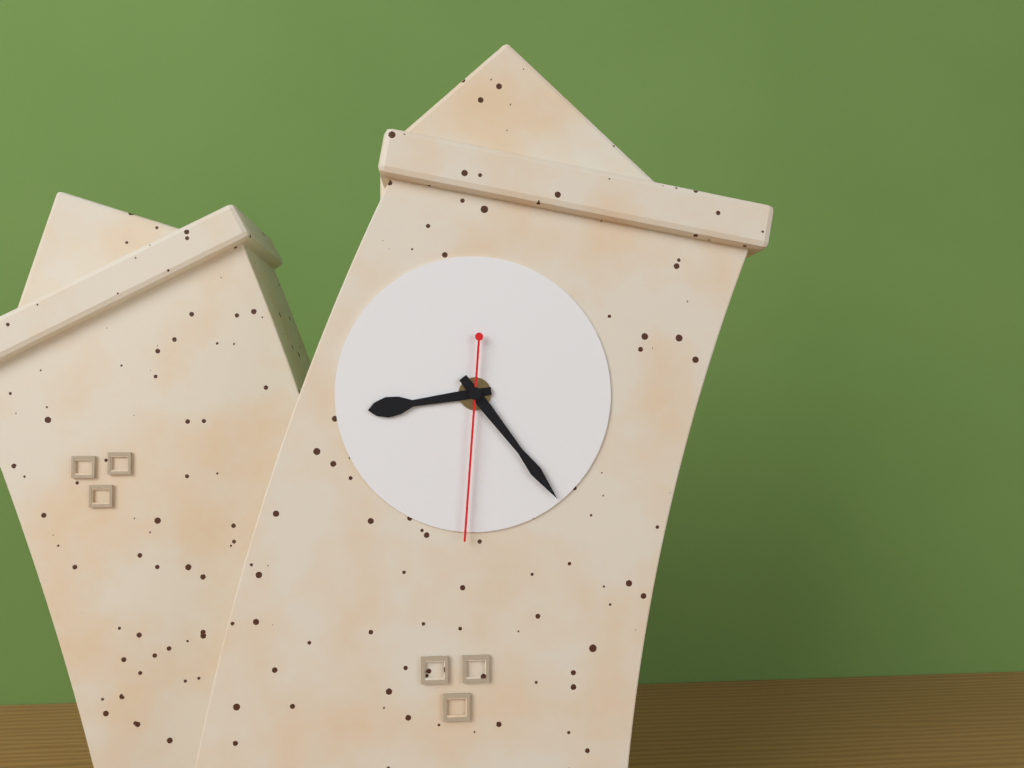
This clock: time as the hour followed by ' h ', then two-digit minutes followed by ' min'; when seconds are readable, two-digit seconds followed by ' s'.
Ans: 8 h 22 min 29 s
